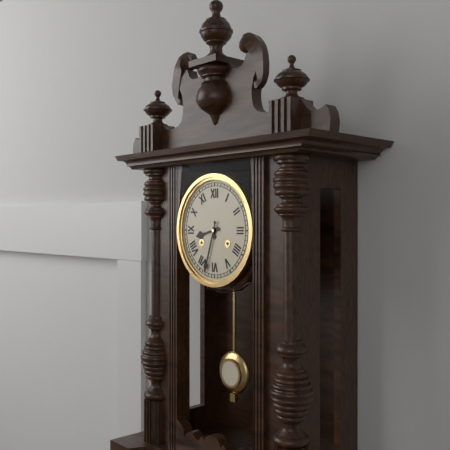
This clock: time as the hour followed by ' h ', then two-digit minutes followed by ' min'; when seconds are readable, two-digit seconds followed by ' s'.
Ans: 8 h 33 min
